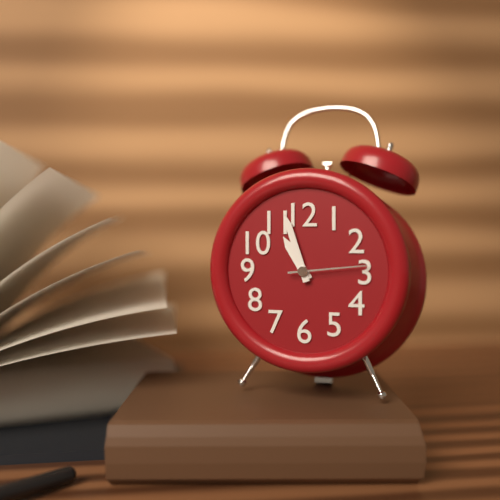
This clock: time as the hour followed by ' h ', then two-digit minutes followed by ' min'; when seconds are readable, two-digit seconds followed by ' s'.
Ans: 10 h 57 min 14 s
